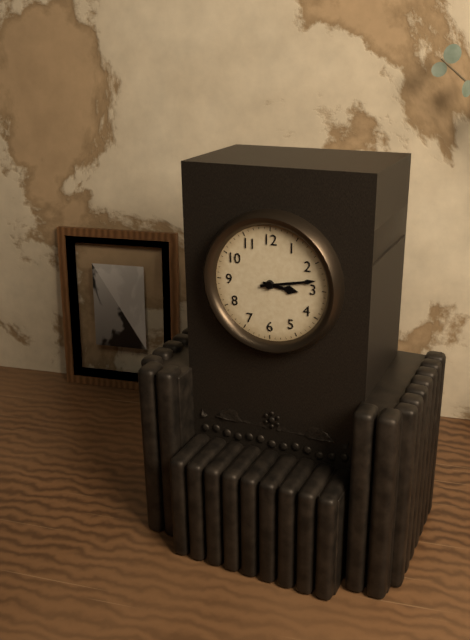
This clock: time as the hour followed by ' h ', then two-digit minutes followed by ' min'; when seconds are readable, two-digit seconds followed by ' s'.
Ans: 3 h 13 min
